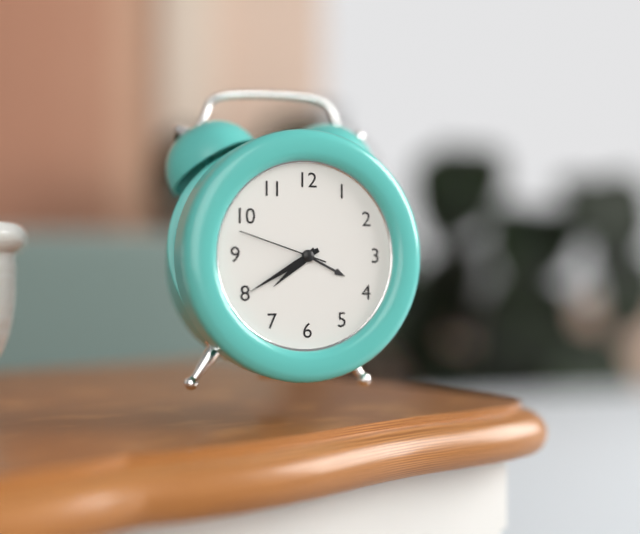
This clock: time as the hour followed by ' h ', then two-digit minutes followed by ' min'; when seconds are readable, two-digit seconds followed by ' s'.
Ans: 7 h 40 min 48 s
